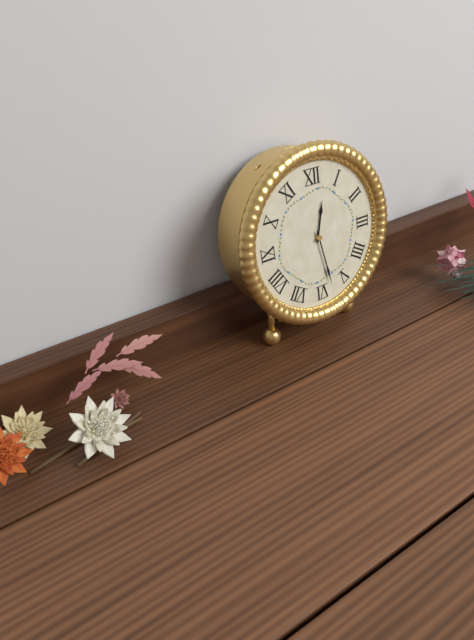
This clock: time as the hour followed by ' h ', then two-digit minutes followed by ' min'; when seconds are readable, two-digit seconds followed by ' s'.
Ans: 12 h 28 min
